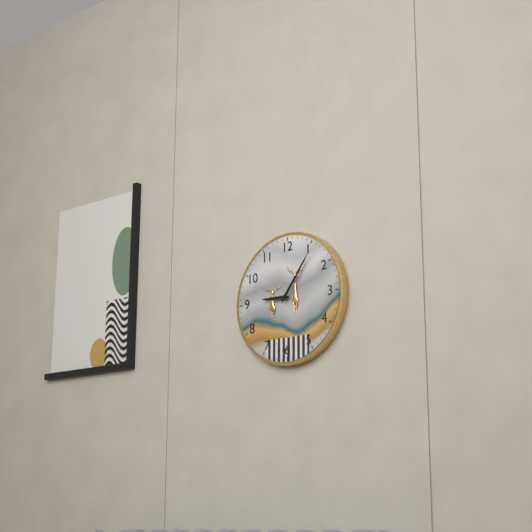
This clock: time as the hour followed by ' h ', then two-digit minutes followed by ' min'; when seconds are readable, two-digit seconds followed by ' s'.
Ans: 9 h 06 min
